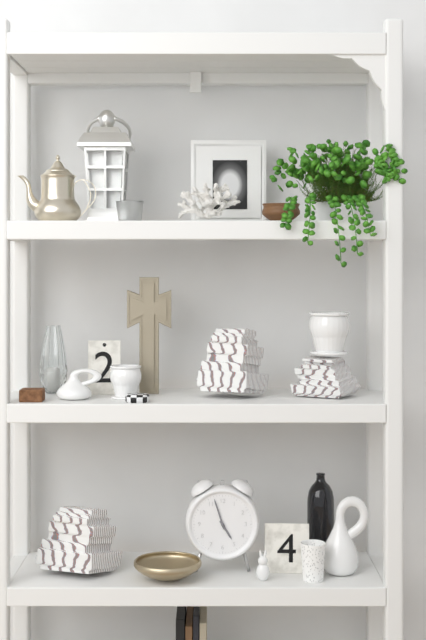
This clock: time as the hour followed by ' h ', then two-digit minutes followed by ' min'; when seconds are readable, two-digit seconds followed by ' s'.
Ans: 4 h 57 min
